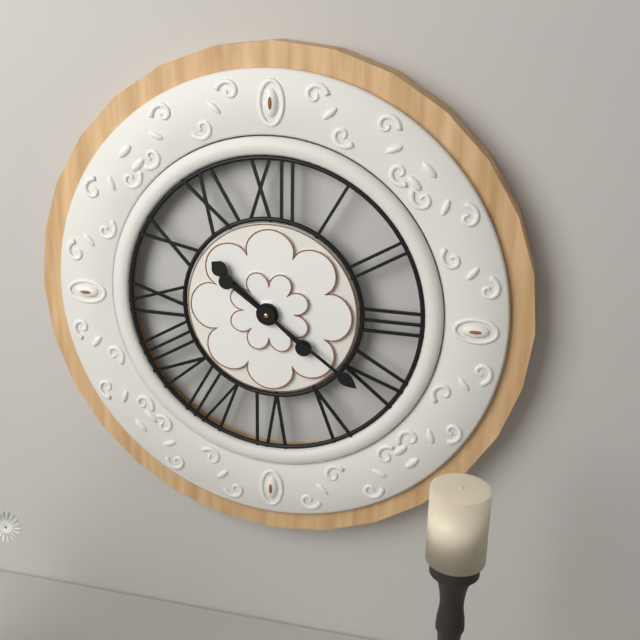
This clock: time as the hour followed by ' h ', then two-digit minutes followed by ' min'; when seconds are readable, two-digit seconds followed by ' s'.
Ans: 10 h 21 min
